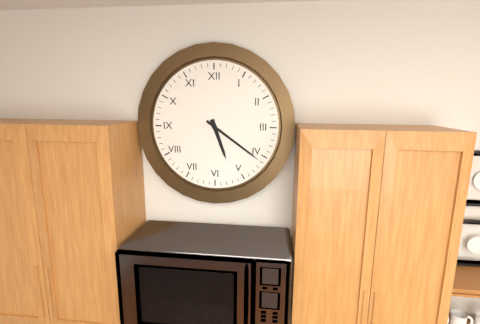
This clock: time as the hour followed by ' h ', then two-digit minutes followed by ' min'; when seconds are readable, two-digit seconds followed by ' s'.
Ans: 5 h 21 min
